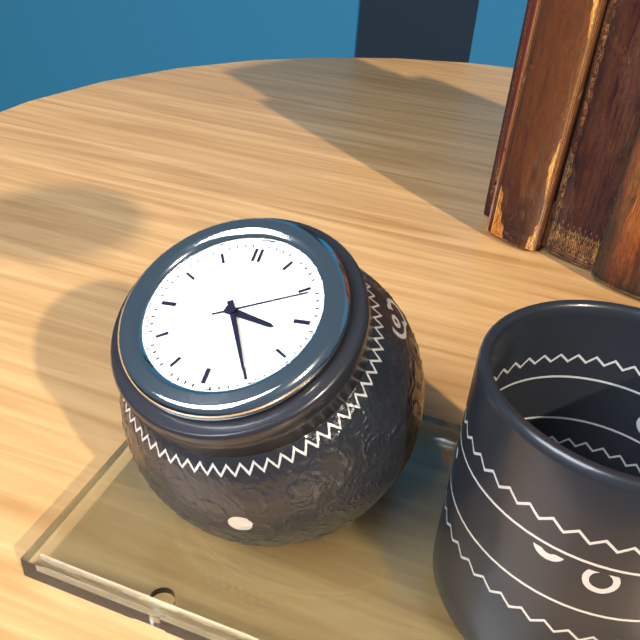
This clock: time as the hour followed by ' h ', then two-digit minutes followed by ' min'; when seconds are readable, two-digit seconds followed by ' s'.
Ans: 3 h 25 min 11 s
